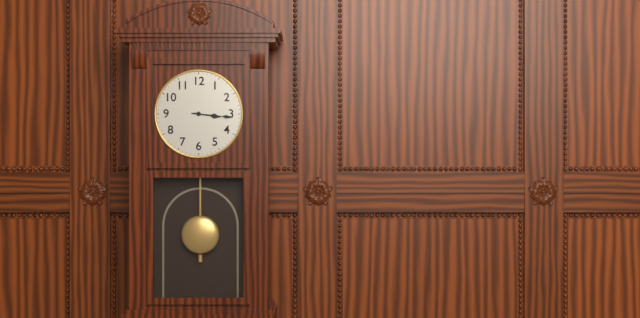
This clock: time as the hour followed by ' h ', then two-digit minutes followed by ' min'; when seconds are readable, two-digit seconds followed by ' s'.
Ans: 3 h 16 min
